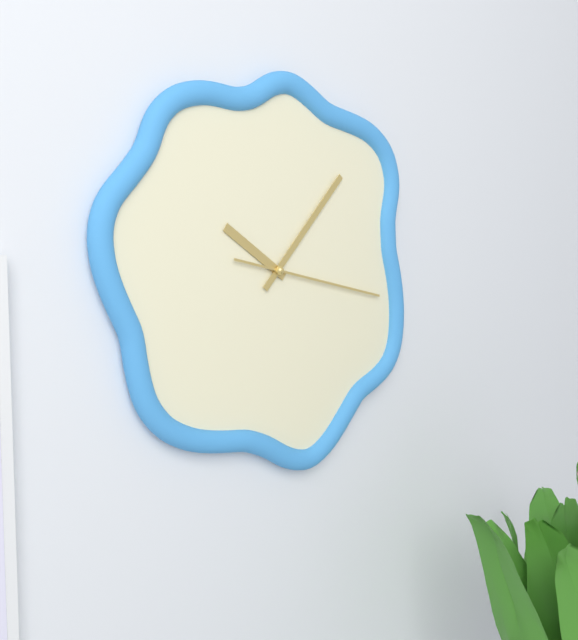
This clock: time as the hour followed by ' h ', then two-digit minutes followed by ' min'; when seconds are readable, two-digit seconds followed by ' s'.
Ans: 10 h 07 min 17 s
